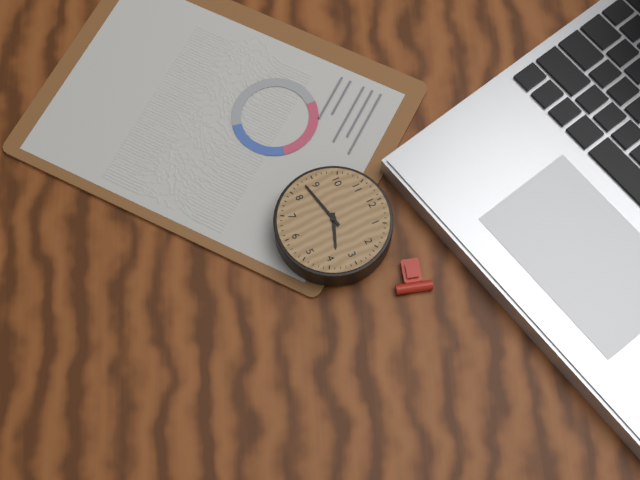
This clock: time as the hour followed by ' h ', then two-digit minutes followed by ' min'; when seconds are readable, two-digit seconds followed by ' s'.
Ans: 3 h 43 min
